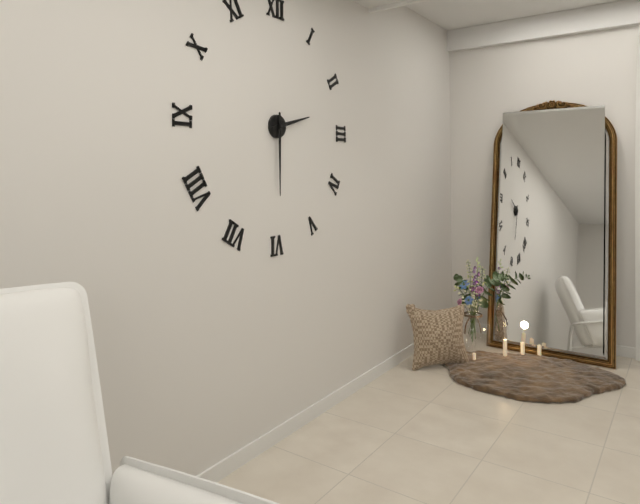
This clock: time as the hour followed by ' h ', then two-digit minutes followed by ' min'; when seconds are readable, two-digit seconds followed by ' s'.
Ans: 2 h 30 min
